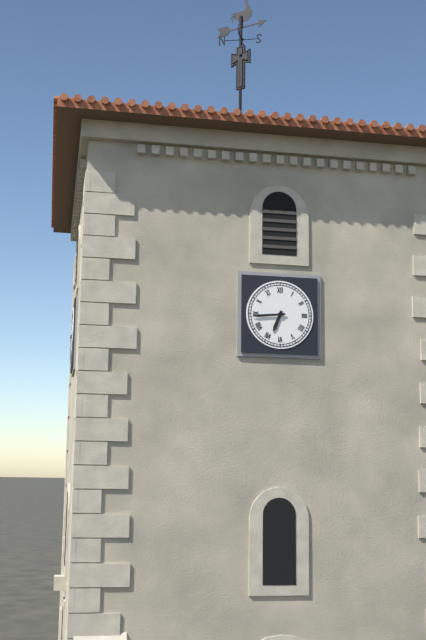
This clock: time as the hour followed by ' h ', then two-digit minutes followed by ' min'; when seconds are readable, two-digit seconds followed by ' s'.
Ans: 6 h 44 min
